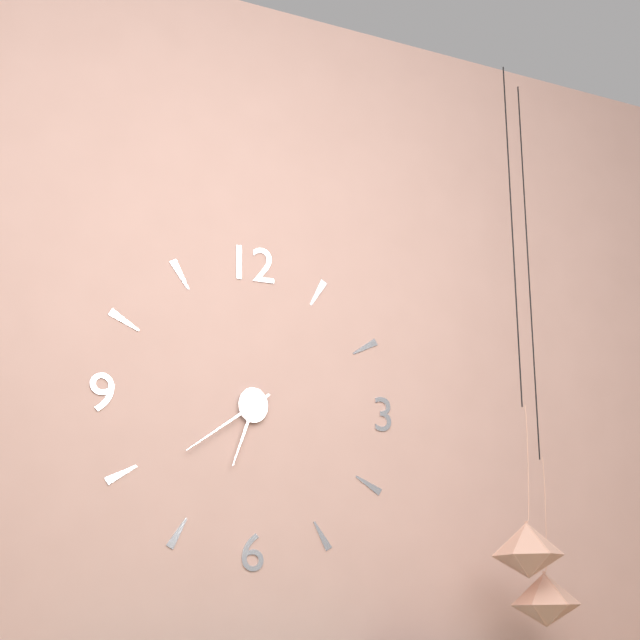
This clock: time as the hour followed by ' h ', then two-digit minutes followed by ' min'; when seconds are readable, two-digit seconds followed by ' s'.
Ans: 6 h 39 min
